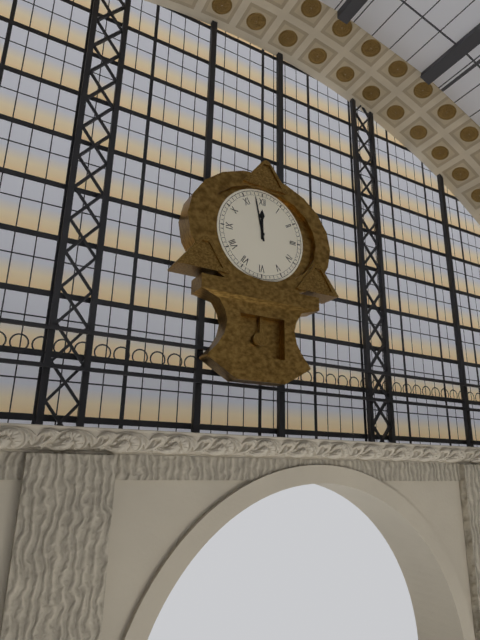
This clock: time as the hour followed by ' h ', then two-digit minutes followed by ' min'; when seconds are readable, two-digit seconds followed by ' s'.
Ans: 11 h 58 min
